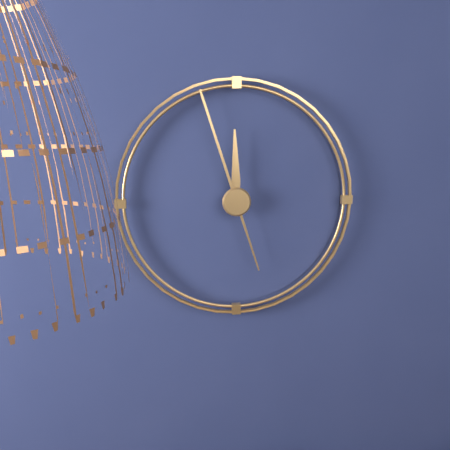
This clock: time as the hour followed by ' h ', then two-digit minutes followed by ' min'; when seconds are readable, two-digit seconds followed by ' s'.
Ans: 11 h 57 min
